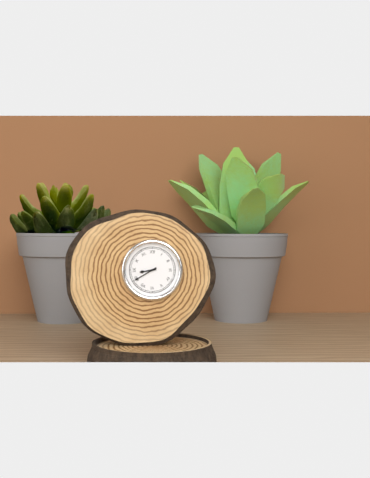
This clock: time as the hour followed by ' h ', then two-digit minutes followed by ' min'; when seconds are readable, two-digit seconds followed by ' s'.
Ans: 8 h 40 min
